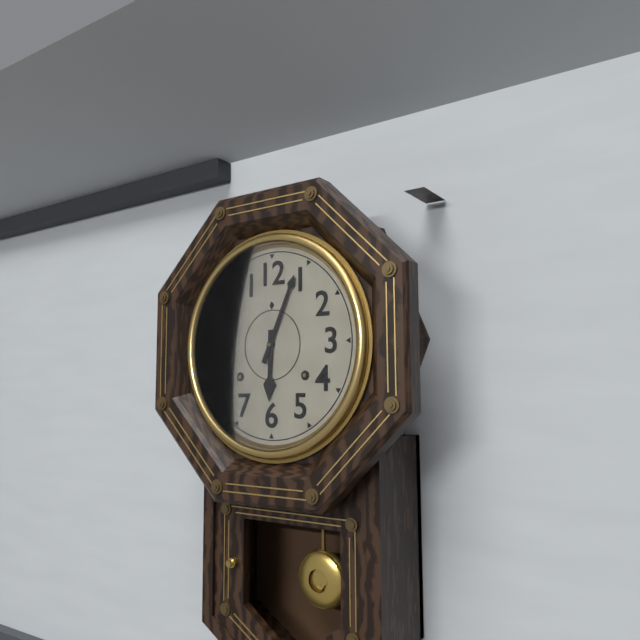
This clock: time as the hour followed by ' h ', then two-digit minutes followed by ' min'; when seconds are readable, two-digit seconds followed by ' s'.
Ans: 6 h 04 min
